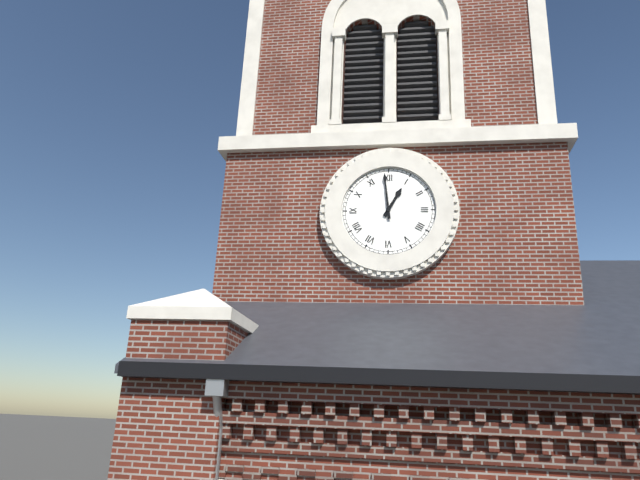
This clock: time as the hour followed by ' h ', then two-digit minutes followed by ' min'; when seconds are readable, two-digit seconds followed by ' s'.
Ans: 12 h 59 min
